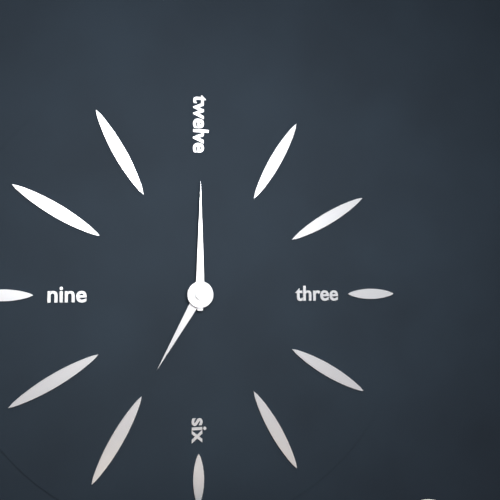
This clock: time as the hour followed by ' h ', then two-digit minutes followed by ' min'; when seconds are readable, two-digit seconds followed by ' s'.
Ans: 7 h 00 min
